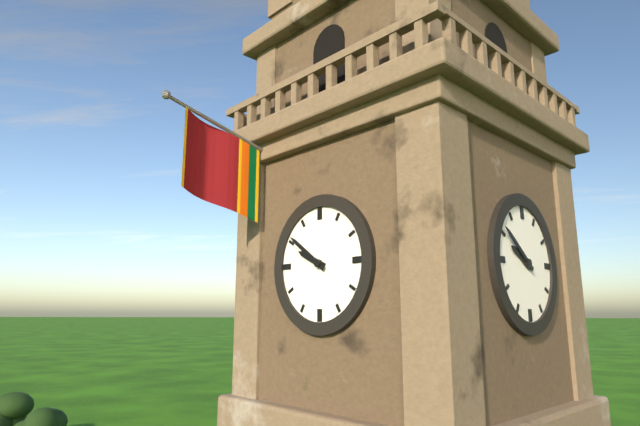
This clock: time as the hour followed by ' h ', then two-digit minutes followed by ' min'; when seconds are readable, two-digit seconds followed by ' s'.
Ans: 9 h 51 min
